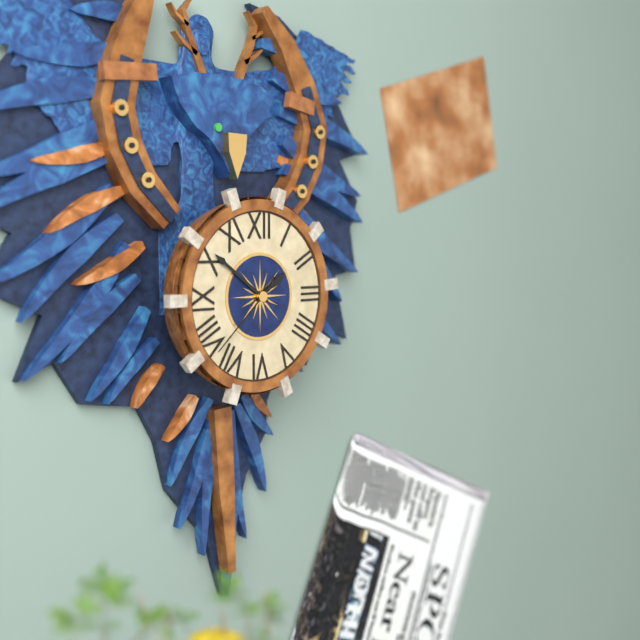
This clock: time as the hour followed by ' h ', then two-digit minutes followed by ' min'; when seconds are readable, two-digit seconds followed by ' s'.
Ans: 1 h 51 min 38 s
